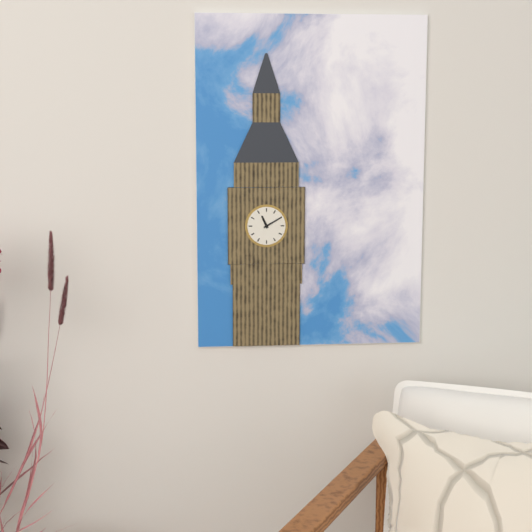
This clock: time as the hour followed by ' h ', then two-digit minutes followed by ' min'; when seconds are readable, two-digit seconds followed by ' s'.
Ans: 11 h 10 min
